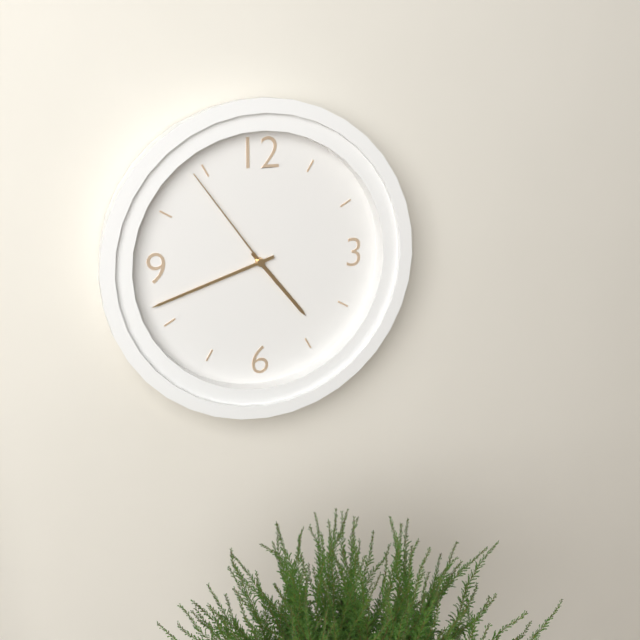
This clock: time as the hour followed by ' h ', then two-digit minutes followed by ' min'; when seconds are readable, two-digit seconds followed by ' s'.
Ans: 4 h 42 min 54 s
